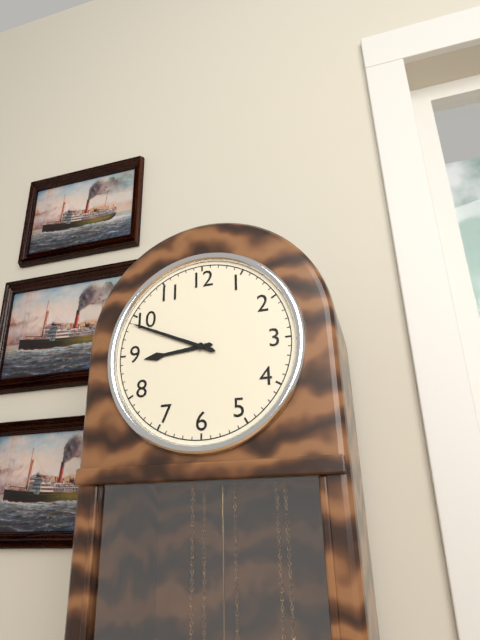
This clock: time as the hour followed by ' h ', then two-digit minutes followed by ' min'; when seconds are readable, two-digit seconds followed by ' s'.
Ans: 8 h 49 min
